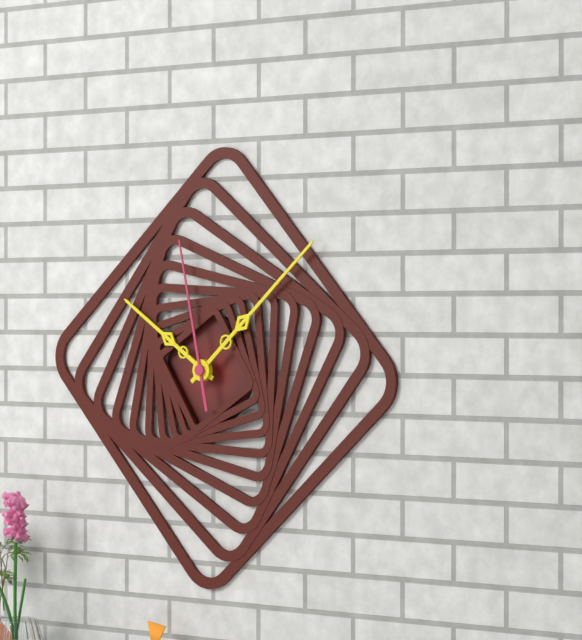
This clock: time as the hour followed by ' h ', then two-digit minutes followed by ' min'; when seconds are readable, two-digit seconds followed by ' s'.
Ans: 10 h 08 min 58 s
